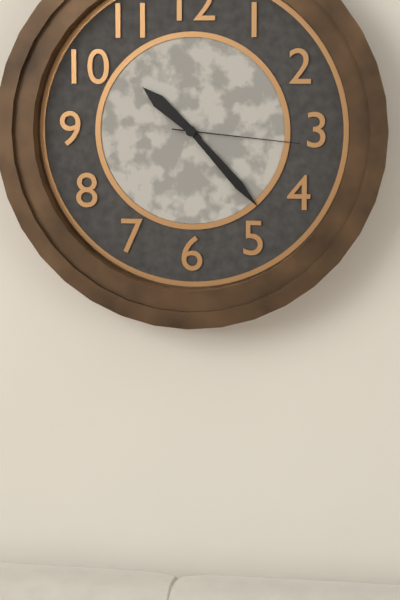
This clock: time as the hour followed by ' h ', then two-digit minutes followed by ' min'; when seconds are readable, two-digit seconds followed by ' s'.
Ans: 10 h 23 min 16 s
